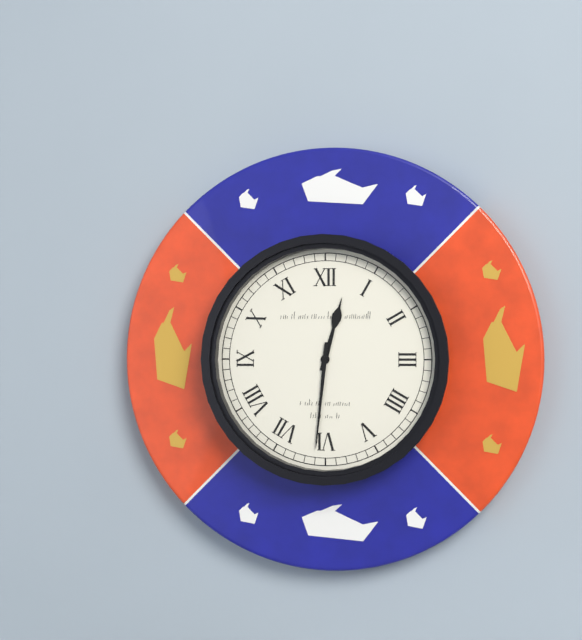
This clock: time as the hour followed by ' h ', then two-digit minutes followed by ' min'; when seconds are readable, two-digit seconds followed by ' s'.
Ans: 12 h 31 min
